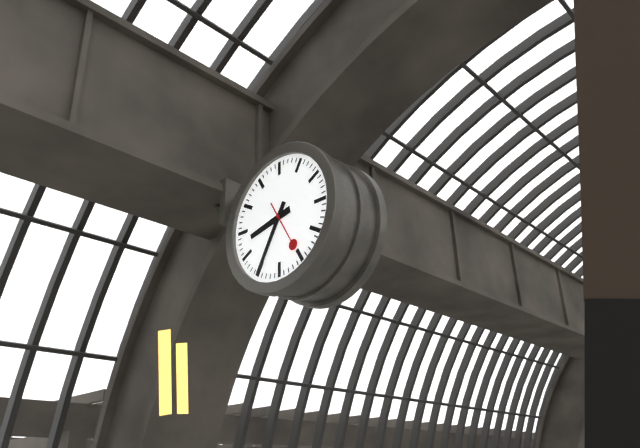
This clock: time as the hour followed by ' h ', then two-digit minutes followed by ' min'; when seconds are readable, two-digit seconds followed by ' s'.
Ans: 8 h 35 min
